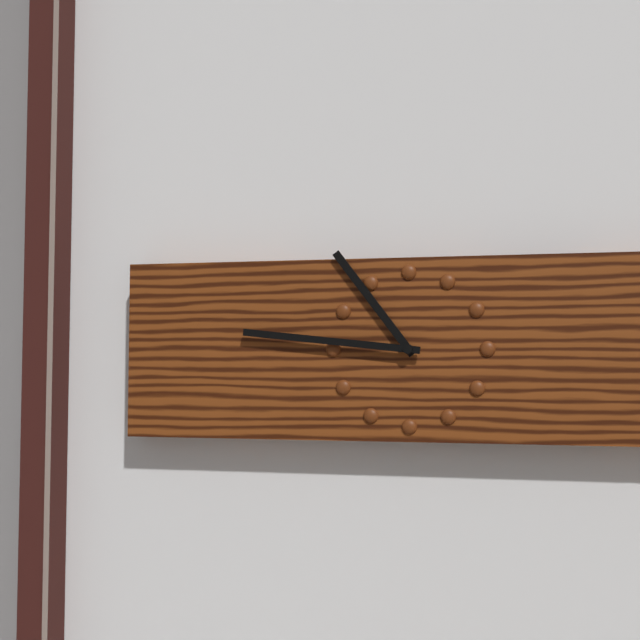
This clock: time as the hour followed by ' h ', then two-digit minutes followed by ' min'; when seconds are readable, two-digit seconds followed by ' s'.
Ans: 10 h 46 min
